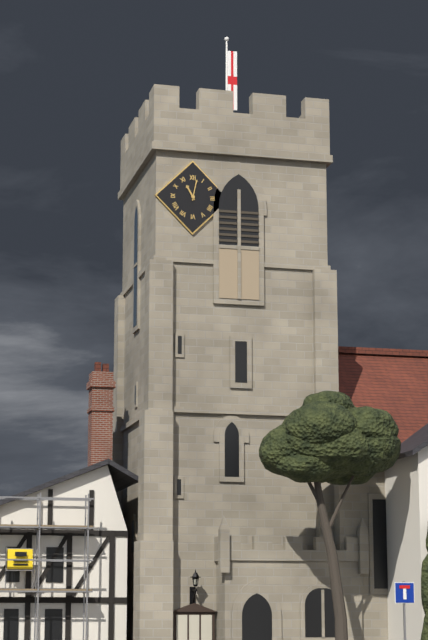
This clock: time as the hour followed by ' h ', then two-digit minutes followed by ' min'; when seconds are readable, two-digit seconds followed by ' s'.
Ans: 11 h 02 min
